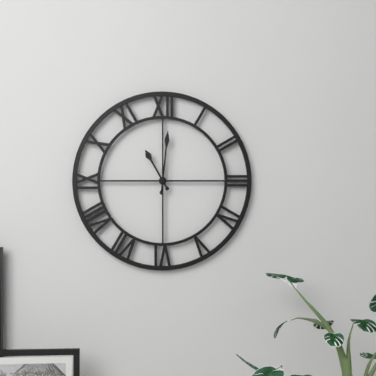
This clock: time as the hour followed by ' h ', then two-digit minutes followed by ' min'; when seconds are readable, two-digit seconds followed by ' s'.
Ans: 11 h 01 min
